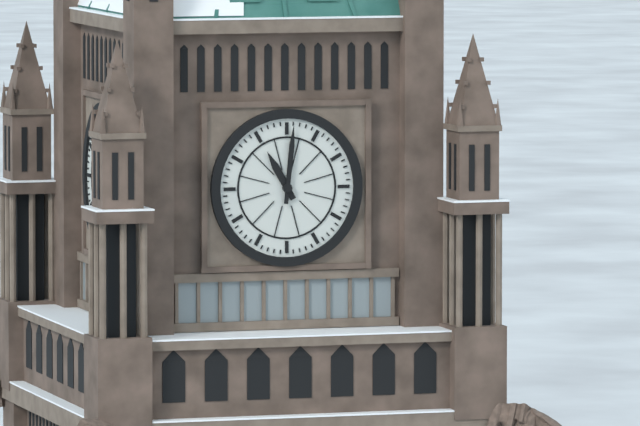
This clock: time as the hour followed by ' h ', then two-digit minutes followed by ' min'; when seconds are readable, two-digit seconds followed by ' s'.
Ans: 11 h 01 min
